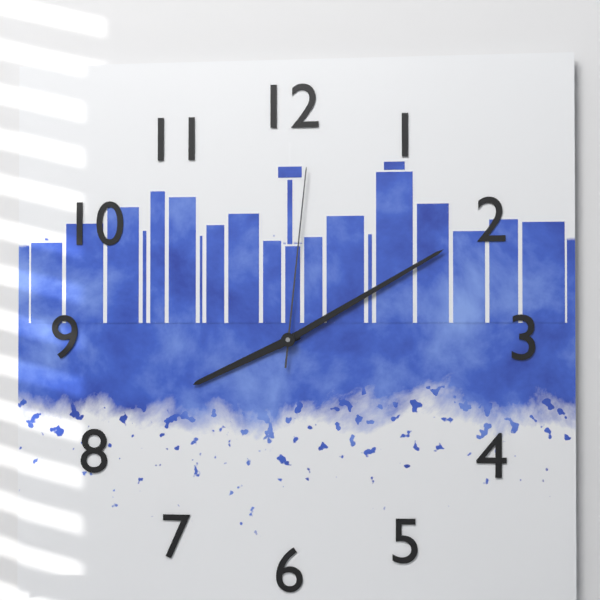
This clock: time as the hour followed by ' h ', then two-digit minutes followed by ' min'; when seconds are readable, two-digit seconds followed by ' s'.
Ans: 8 h 10 min 01 s
